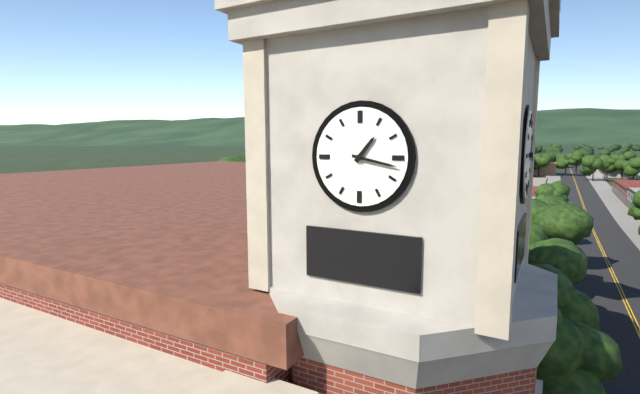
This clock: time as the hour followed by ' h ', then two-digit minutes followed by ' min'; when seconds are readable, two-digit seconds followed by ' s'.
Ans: 1 h 17 min
